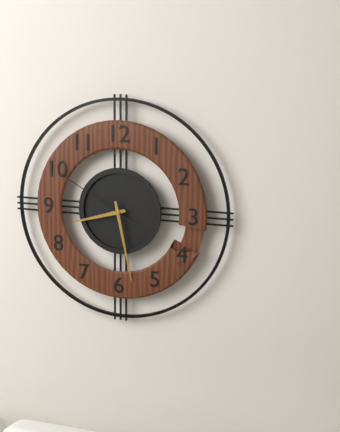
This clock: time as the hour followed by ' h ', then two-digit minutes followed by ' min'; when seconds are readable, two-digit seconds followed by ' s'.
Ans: 8 h 28 min 50 s
